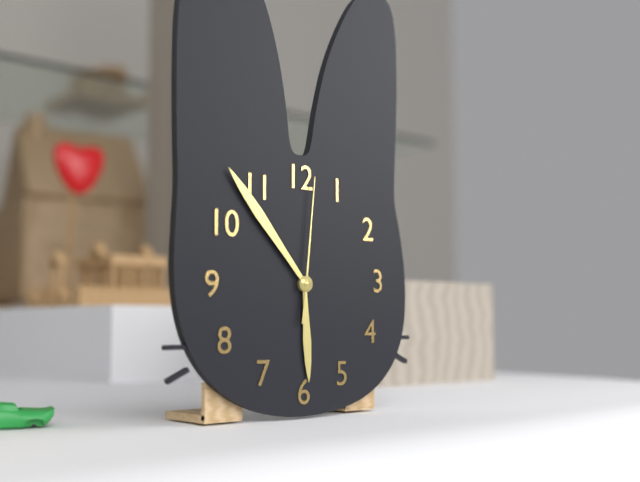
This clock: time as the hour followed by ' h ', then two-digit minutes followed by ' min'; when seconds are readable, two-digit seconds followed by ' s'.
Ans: 5 h 53 min 01 s
